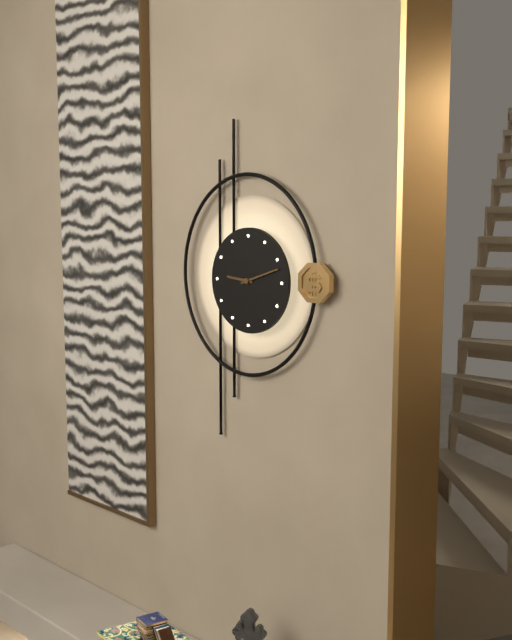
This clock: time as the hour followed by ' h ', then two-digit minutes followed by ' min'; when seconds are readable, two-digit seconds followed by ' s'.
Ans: 9 h 12 min
